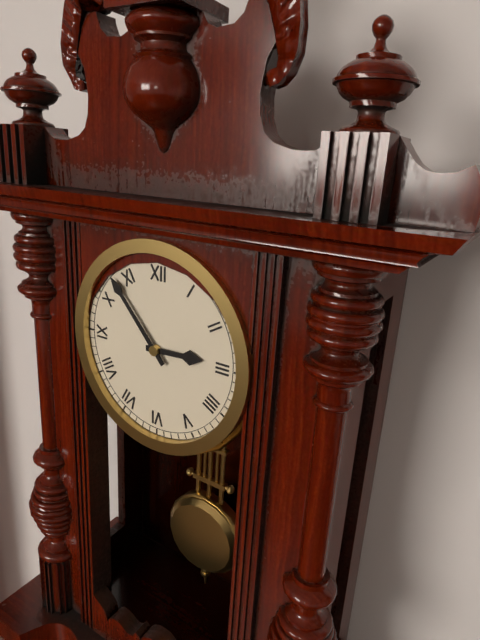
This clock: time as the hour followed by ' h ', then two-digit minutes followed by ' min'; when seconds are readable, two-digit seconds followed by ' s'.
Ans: 2 h 53 min
